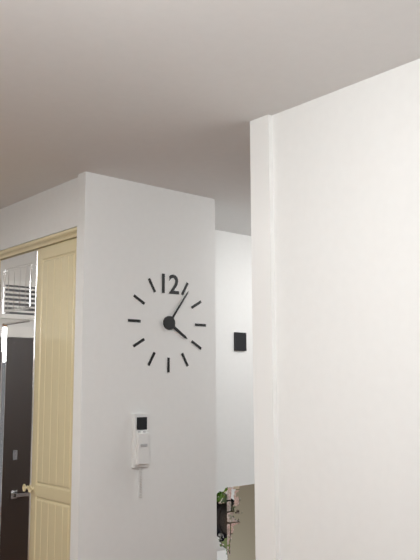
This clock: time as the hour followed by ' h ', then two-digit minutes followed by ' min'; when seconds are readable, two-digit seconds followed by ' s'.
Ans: 4 h 06 min
